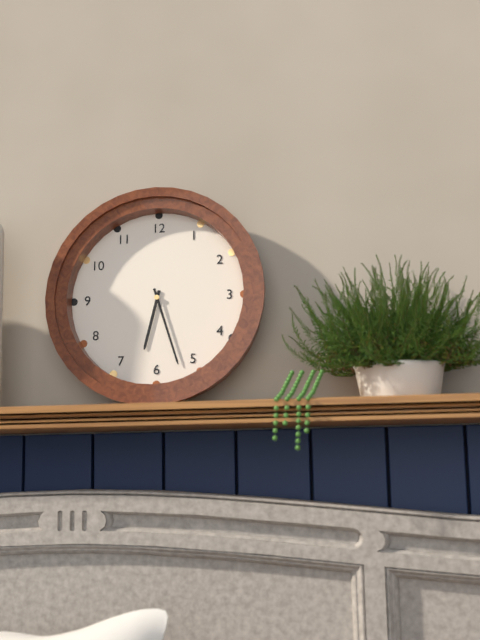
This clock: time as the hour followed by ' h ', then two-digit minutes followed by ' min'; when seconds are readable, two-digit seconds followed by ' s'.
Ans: 6 h 27 min
